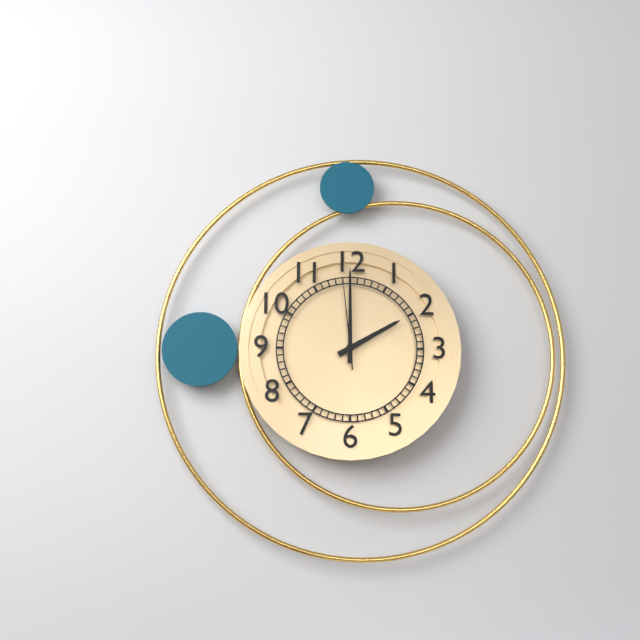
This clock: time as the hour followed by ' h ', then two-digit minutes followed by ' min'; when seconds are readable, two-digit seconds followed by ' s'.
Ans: 2 h 00 min 59 s
